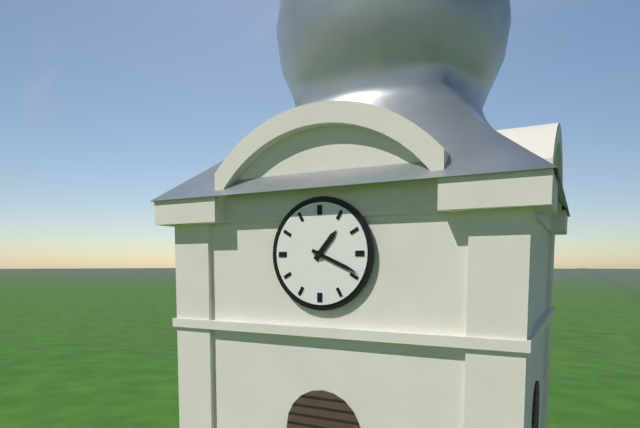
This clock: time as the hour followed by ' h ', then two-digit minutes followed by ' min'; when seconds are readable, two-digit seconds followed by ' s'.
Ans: 1 h 19 min
